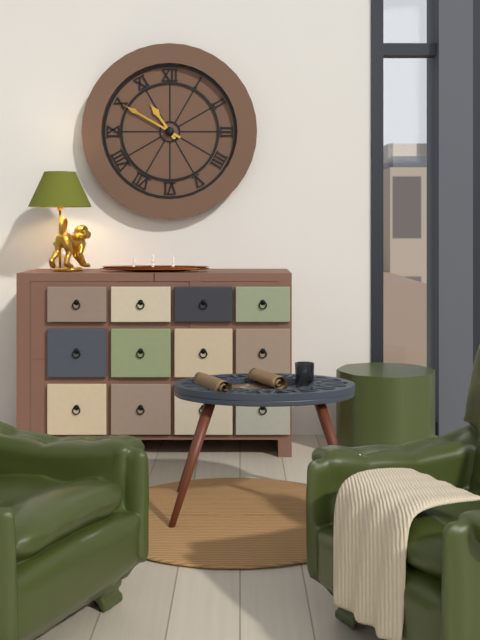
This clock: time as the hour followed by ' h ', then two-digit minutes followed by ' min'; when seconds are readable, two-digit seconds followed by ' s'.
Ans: 10 h 50 min
